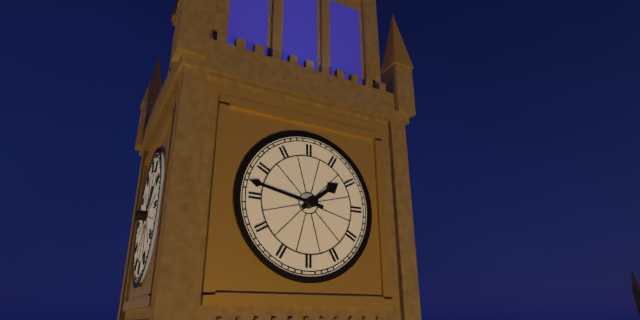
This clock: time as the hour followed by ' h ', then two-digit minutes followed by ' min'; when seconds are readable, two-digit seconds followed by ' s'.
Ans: 1 h 47 min
